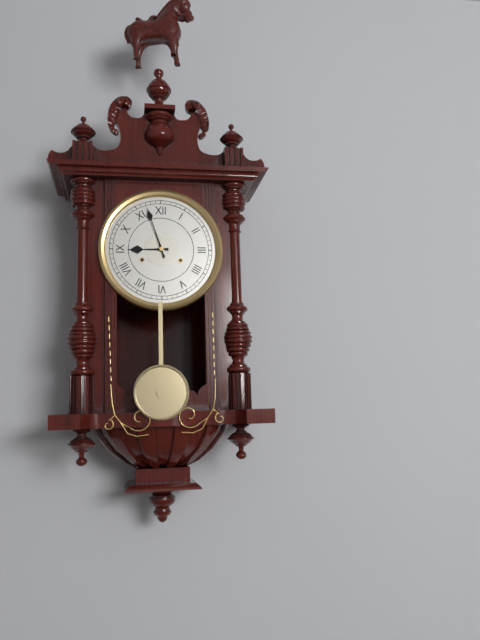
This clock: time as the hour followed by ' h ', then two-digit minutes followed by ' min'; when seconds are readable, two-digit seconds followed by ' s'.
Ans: 8 h 57 min
